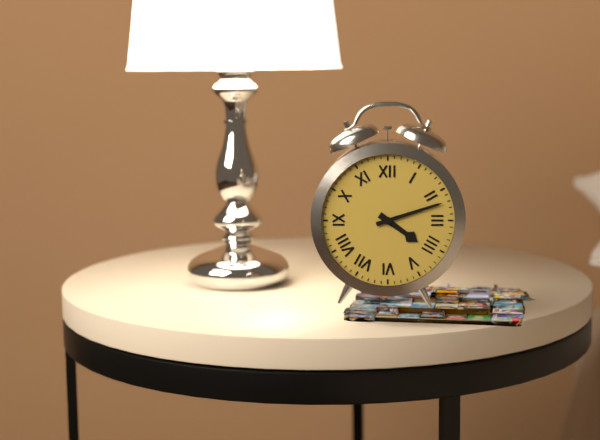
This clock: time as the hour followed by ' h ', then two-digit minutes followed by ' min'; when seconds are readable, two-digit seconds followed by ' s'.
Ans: 4 h 12 min
